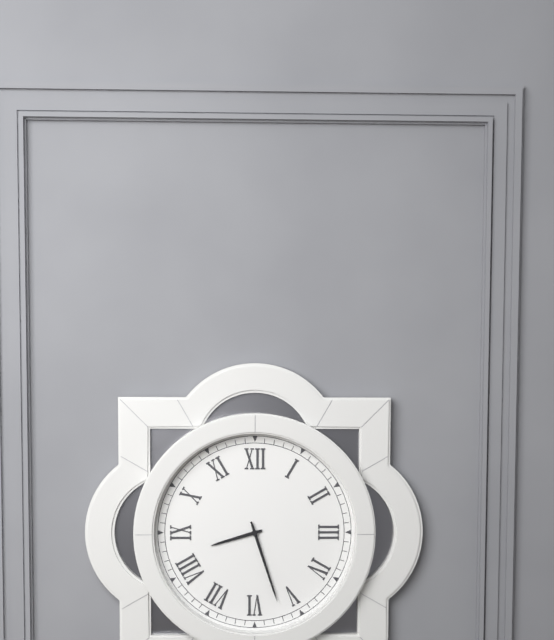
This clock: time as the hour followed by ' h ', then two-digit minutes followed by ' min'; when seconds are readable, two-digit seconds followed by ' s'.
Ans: 8 h 27 min
